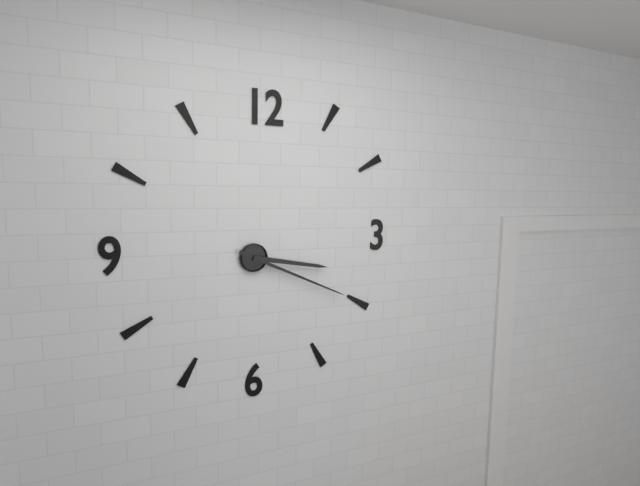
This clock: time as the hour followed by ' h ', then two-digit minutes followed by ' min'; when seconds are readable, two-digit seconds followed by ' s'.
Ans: 3 h 19 min
